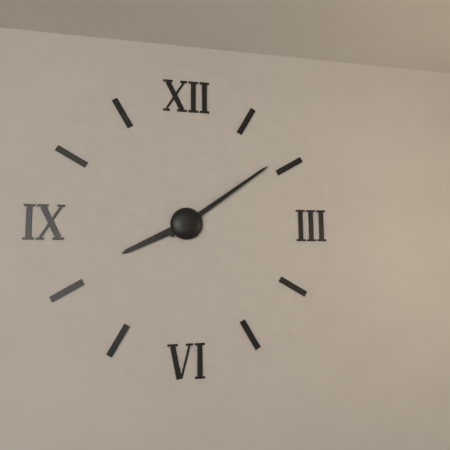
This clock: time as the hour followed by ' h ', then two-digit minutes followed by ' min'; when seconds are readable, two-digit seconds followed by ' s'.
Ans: 8 h 09 min
